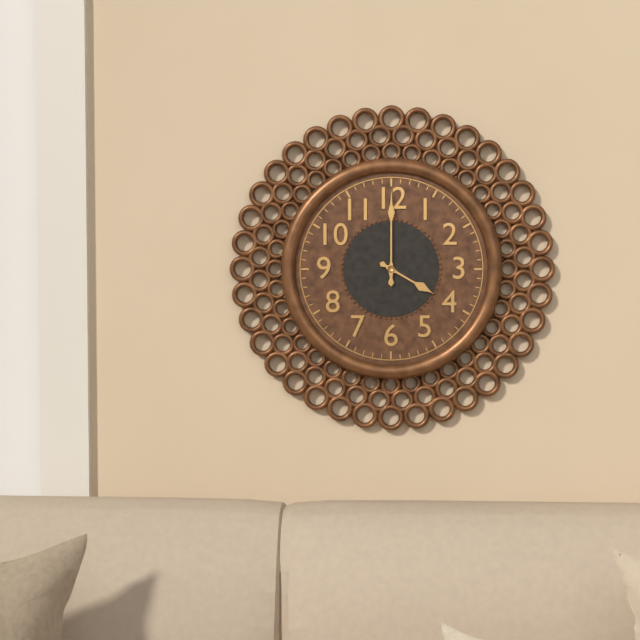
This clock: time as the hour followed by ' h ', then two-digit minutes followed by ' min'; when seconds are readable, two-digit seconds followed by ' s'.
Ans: 4 h 00 min
